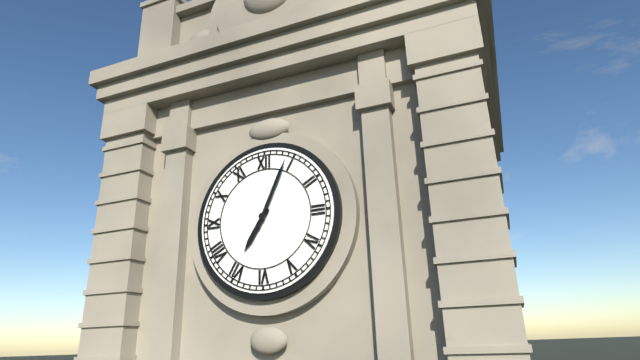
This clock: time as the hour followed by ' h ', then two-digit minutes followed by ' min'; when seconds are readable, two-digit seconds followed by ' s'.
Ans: 7 h 04 min
